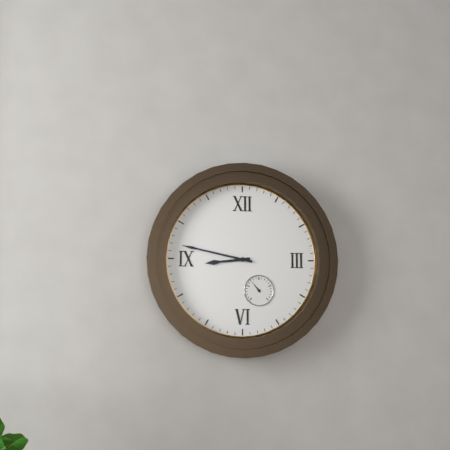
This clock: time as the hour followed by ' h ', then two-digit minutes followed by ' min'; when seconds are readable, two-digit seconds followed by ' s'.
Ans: 8 h 47 min
